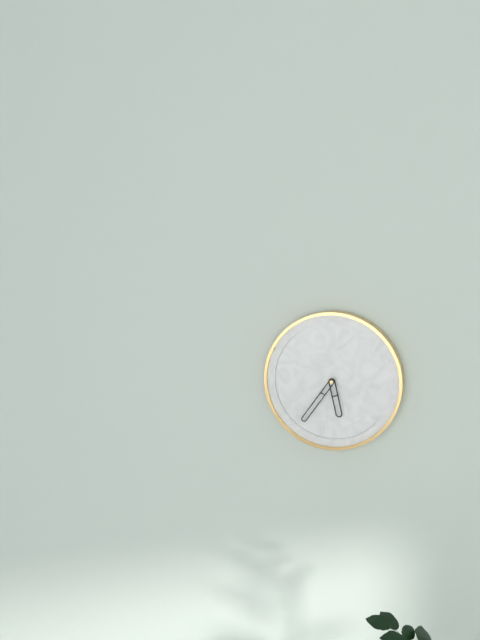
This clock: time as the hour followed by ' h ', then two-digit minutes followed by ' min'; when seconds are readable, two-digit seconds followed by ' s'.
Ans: 5 h 36 min
